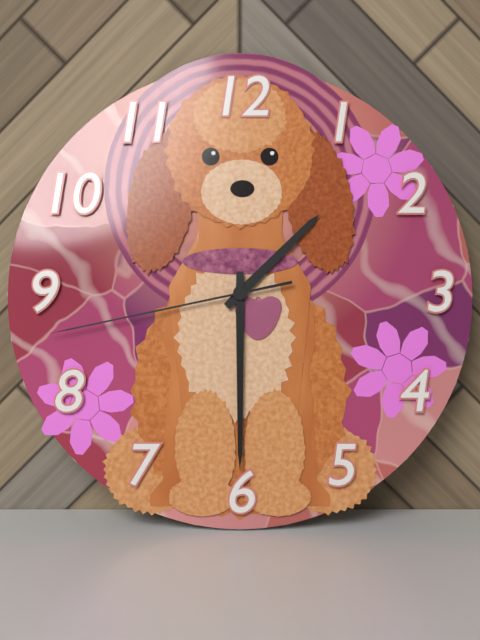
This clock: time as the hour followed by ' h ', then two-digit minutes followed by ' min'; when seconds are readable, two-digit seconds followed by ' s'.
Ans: 1 h 30 min 43 s
